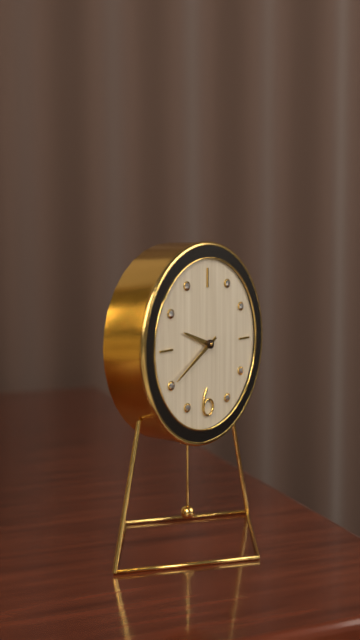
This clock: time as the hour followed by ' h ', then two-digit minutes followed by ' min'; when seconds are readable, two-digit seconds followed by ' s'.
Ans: 9 h 40 min
